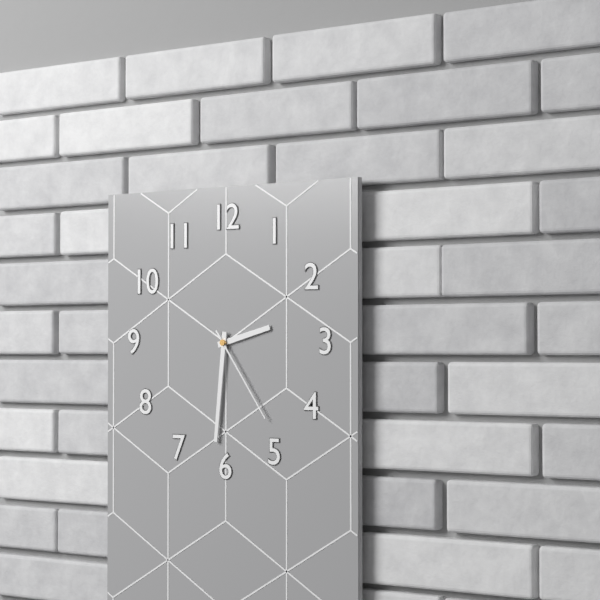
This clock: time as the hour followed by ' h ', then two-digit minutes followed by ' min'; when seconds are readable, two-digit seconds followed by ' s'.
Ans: 2 h 31 min 24 s
